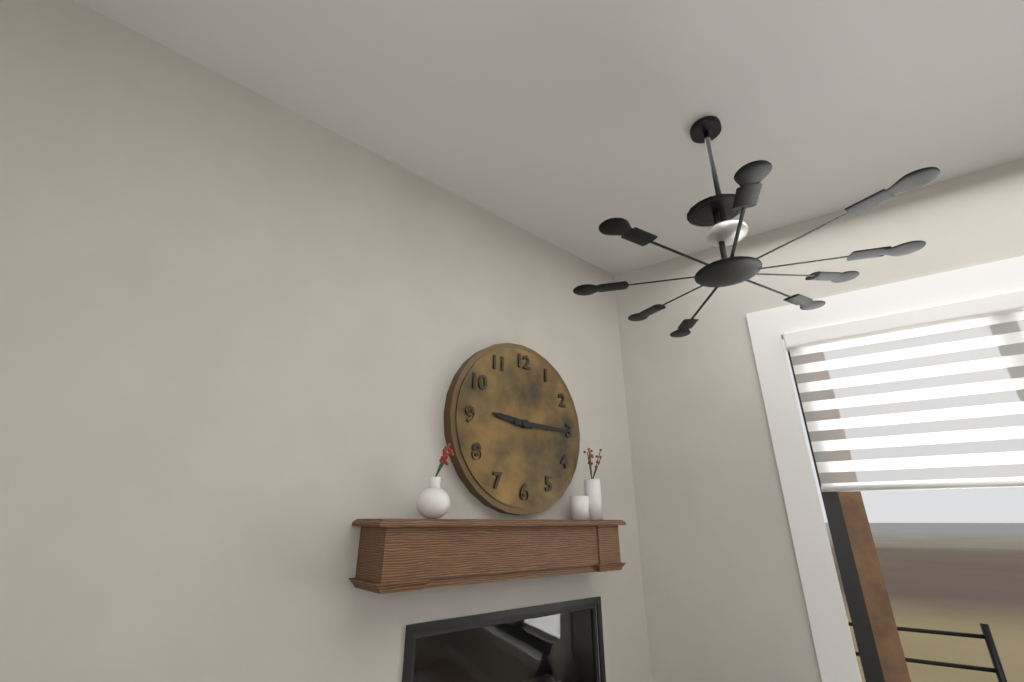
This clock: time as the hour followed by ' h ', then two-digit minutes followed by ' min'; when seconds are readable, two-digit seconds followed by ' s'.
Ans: 9 h 15 min
